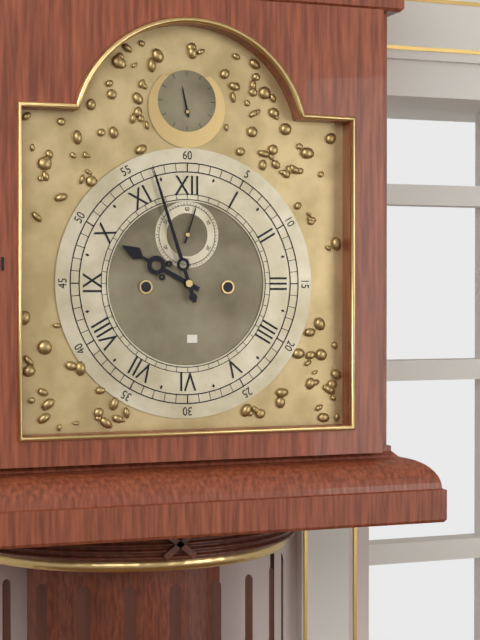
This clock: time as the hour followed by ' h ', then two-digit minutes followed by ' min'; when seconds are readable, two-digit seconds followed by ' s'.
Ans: 9 h 57 min
